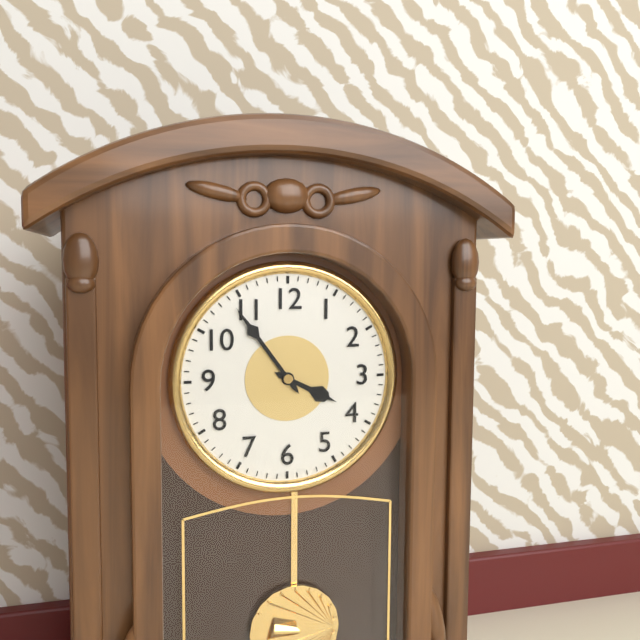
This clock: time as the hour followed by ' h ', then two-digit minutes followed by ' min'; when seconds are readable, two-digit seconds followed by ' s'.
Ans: 3 h 54 min
